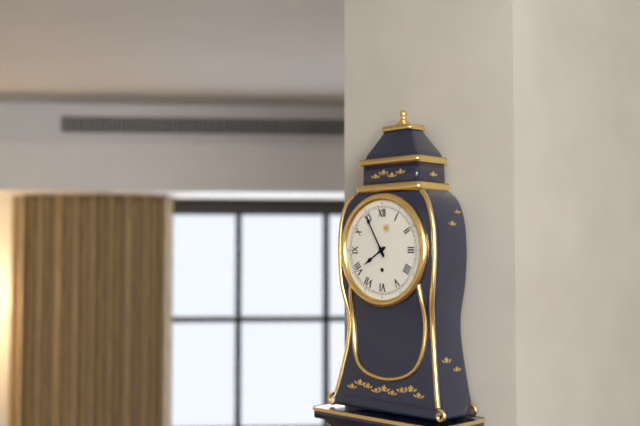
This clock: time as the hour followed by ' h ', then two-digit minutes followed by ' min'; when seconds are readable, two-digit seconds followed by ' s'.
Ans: 7 h 55 min
